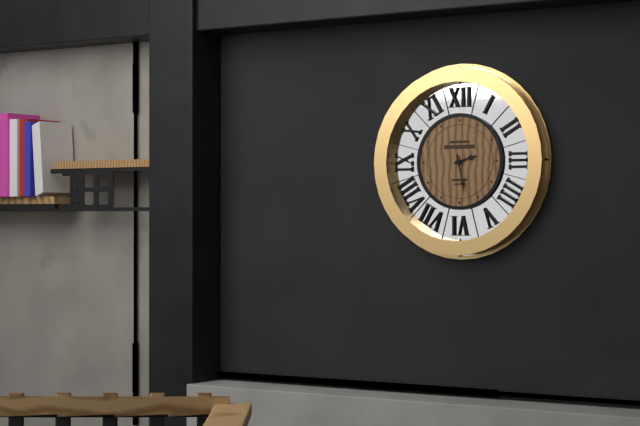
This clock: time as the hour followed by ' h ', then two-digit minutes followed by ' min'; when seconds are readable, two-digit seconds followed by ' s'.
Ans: 2 h 28 min
